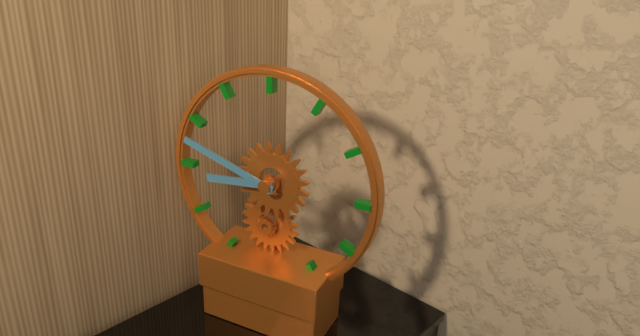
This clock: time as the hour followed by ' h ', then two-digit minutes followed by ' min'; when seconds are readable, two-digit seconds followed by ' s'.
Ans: 8 h 48 min
